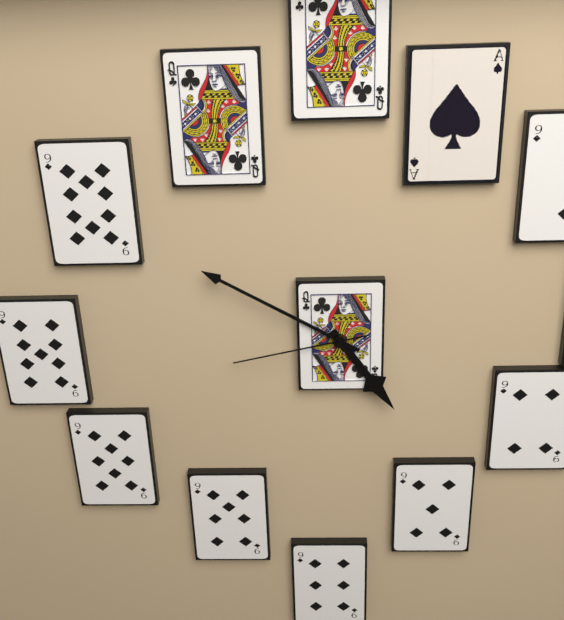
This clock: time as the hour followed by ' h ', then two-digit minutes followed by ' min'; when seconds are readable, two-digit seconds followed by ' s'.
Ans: 4 h 50 min 43 s
